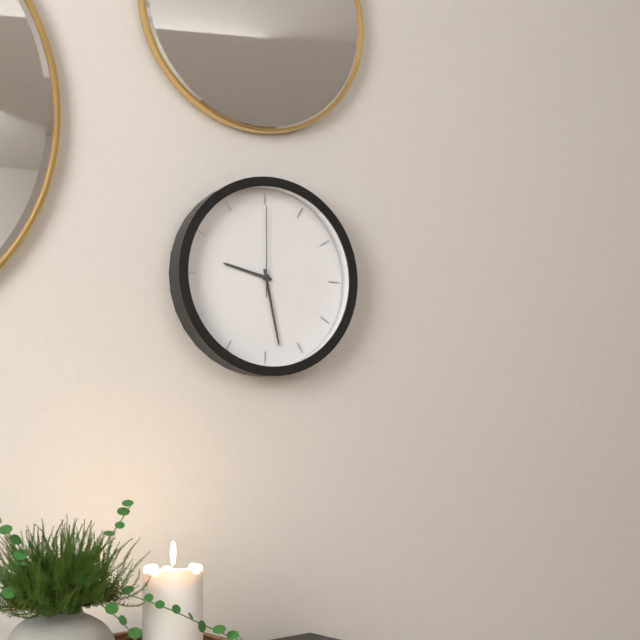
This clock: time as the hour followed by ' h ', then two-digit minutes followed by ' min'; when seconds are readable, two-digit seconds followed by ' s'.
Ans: 9 h 28 min 00 s
